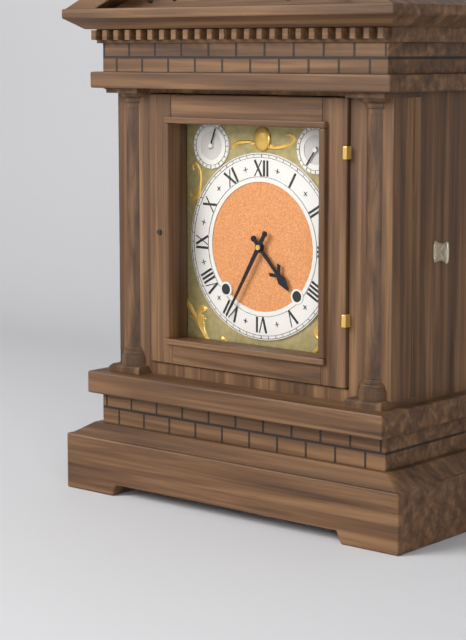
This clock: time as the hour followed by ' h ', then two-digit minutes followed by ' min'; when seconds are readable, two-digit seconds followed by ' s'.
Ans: 4 h 35 min
